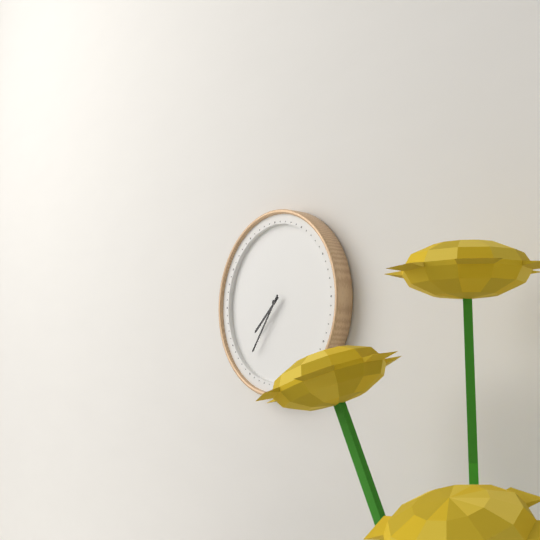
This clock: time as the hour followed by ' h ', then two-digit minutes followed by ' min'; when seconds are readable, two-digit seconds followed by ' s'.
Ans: 7 h 36 min
